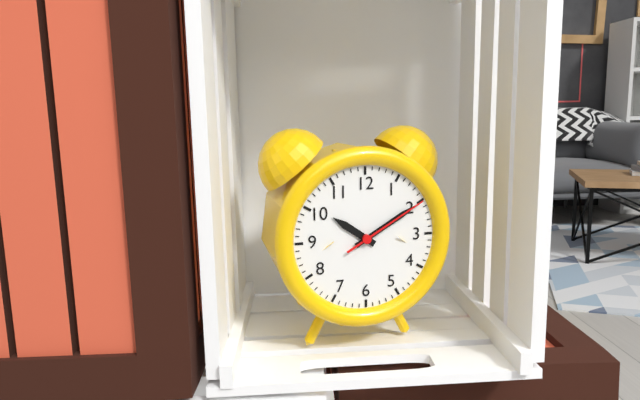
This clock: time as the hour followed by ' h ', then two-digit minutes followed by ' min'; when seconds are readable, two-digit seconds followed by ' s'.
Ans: 10 h 10 min 10 s
